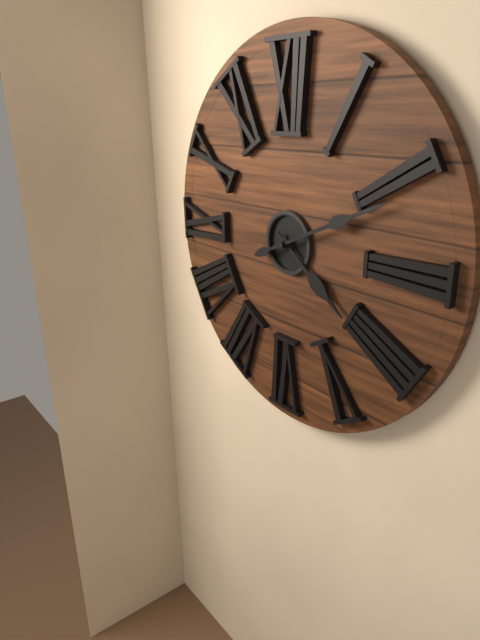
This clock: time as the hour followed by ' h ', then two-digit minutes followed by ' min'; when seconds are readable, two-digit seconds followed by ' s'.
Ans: 4 h 11 min
